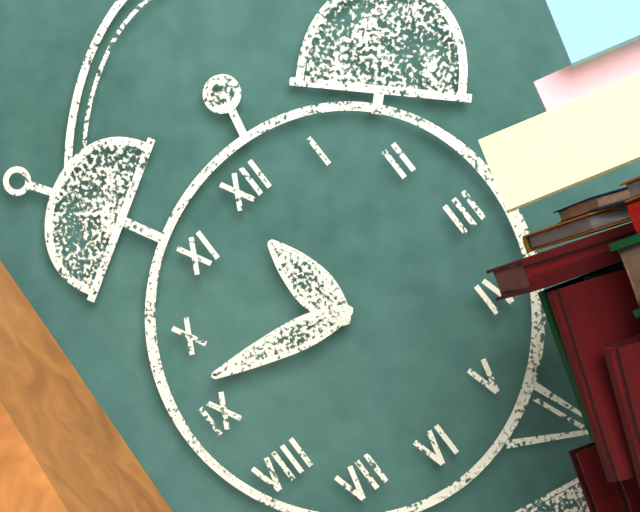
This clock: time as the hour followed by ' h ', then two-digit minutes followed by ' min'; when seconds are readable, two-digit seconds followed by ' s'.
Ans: 11 h 47 min
